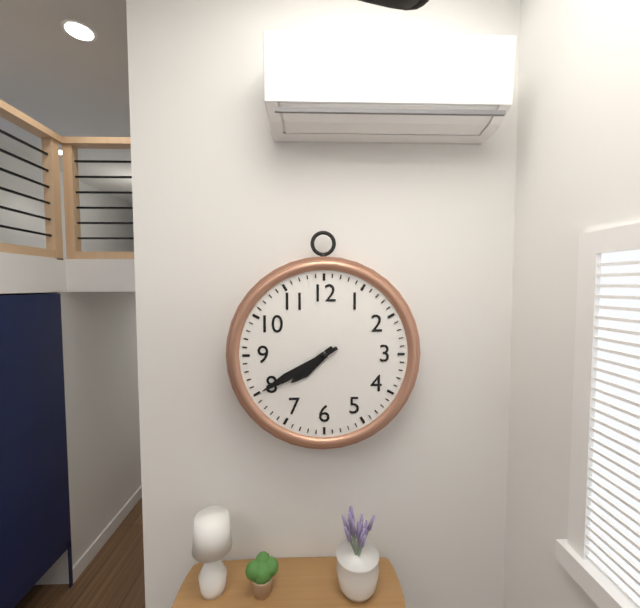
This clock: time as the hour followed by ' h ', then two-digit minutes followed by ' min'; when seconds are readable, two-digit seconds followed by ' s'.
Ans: 7 h 40 min
